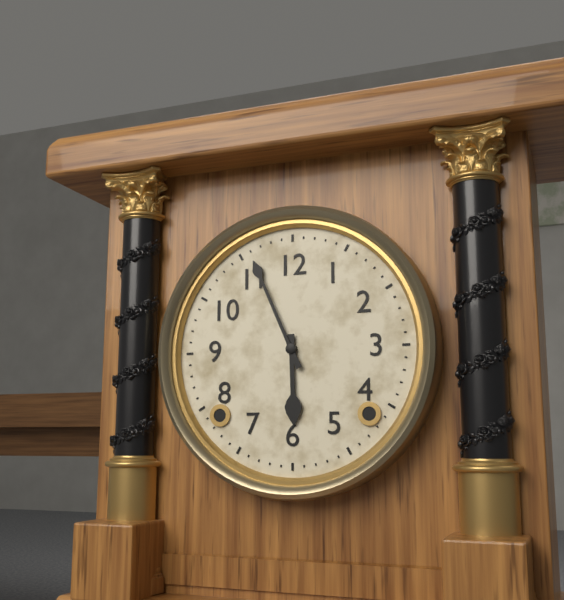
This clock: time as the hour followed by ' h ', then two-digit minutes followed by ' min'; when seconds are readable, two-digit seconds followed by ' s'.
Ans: 5 h 56 min
